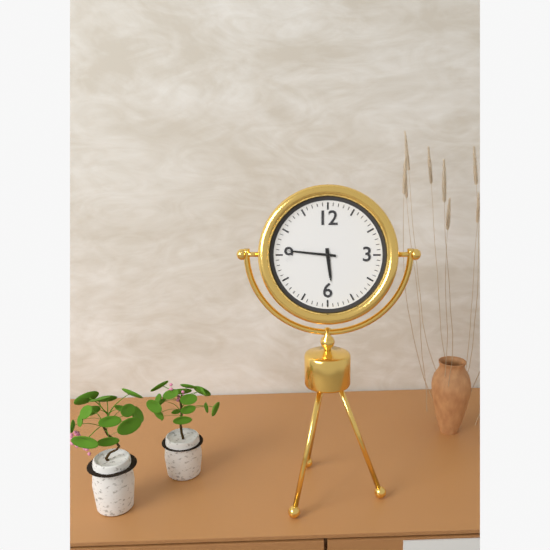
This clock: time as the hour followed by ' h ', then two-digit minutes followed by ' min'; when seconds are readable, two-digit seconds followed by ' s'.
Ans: 5 h 46 min
